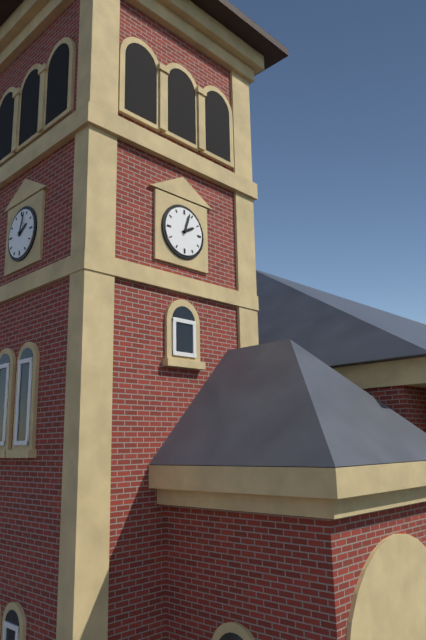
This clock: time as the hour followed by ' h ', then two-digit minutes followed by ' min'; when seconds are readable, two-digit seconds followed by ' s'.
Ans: 2 h 03 min
